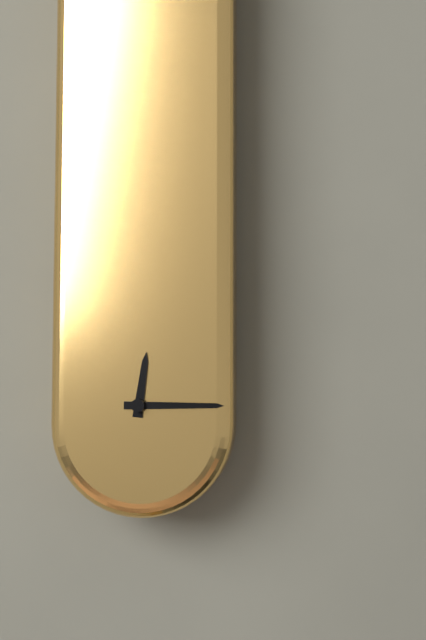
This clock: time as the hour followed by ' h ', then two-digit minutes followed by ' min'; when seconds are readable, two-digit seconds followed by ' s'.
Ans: 12 h 15 min
